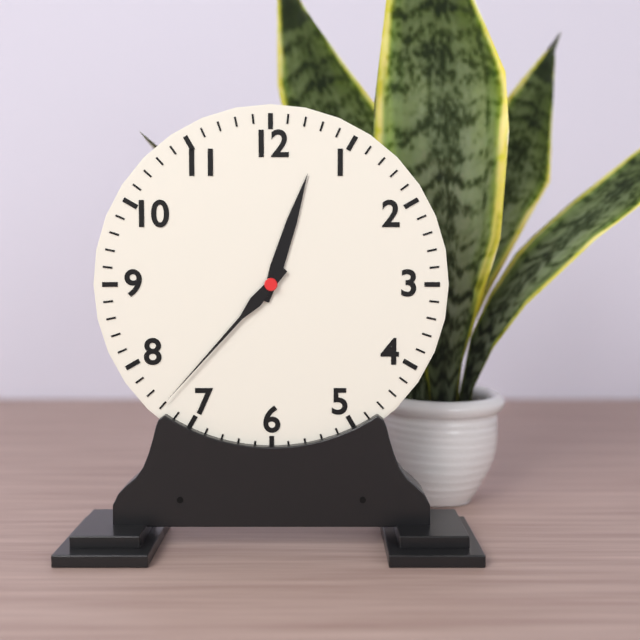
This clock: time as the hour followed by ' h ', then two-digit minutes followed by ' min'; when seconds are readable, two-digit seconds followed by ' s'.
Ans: 12 h 37 min
